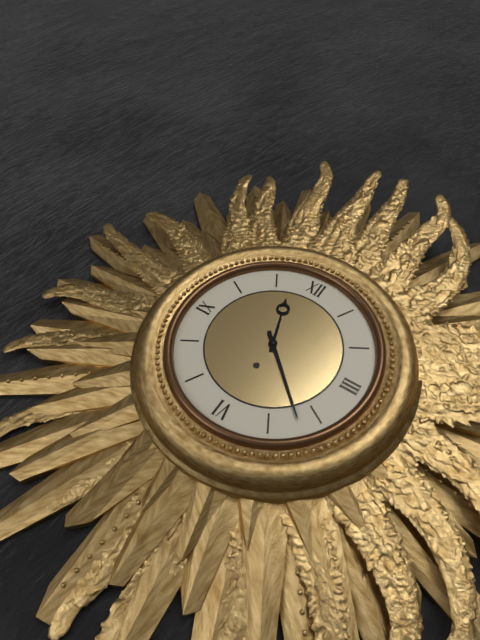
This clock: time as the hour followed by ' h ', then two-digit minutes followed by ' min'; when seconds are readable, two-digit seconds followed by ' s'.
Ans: 11 h 22 min
